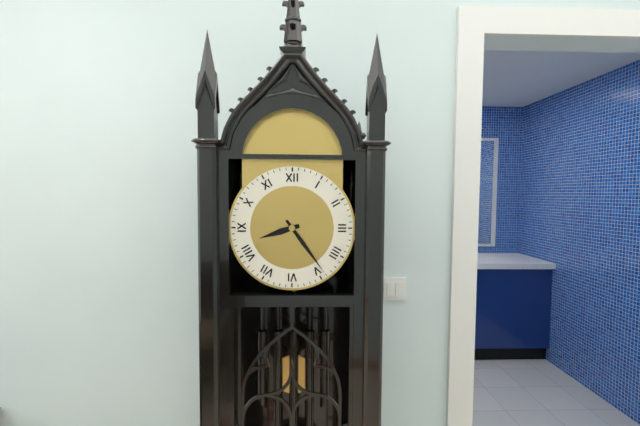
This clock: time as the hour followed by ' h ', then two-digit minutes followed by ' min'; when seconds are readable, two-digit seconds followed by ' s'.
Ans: 8 h 24 min
